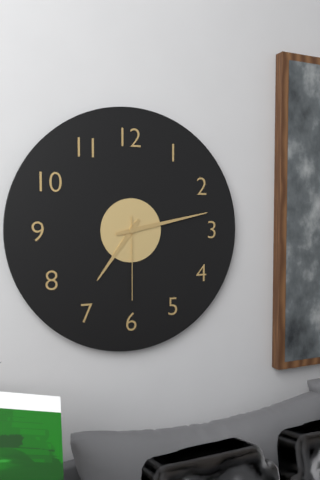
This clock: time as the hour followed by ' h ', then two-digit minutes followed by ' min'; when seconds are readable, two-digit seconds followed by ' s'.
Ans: 7 h 13 min 30 s
